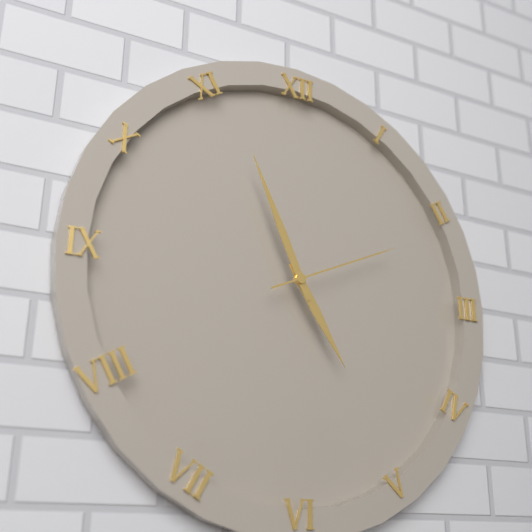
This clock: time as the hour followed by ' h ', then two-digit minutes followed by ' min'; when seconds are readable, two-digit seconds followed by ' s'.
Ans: 4 h 56 min 11 s
